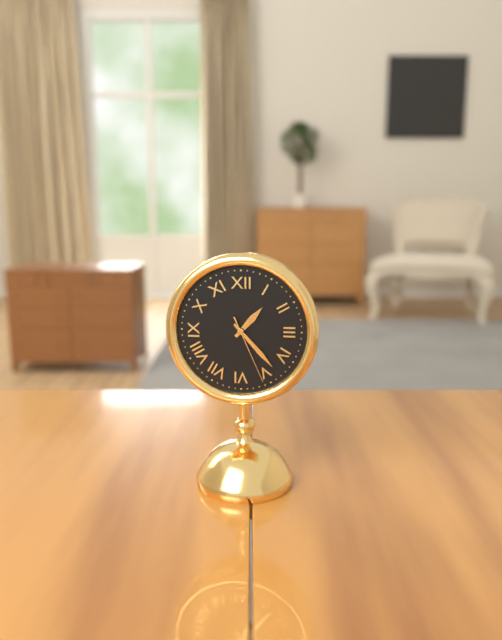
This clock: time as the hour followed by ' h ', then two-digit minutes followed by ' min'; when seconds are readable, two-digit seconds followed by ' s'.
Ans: 1 h 23 min 26 s
